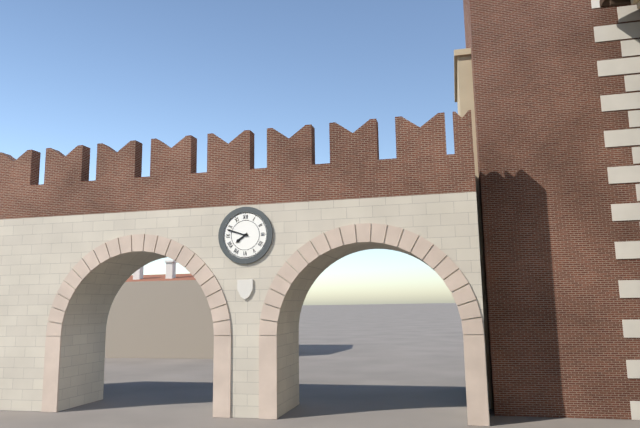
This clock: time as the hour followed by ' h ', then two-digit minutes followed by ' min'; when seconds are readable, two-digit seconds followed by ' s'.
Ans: 7 h 48 min
